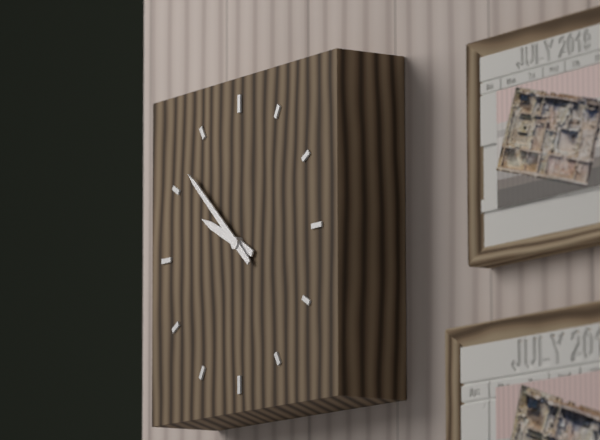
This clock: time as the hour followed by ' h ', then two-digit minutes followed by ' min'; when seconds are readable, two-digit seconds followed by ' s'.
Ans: 9 h 52 min
